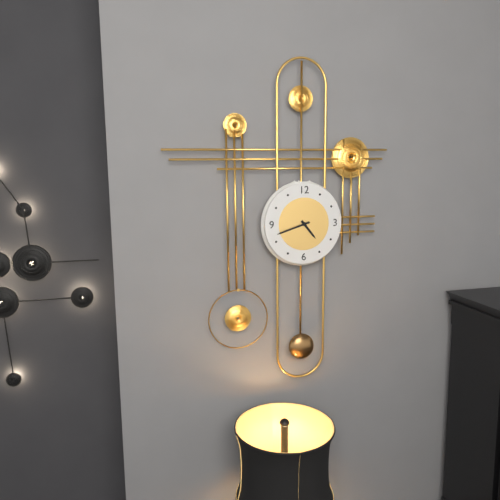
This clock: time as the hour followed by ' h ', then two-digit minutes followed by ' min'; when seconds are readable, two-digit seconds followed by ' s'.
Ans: 4 h 42 min
